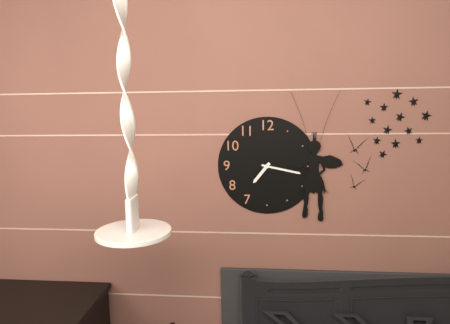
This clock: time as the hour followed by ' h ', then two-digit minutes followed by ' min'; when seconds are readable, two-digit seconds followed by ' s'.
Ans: 7 h 17 min
